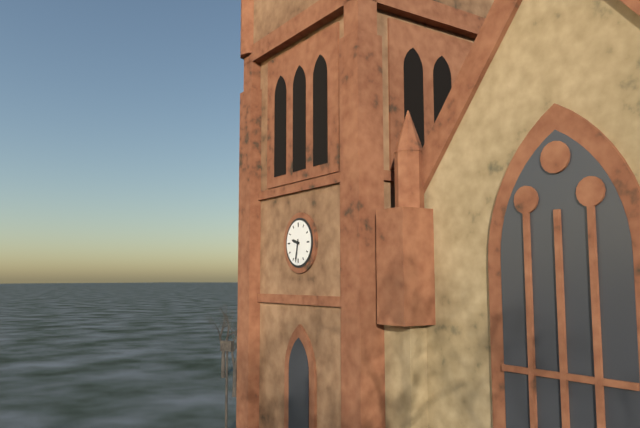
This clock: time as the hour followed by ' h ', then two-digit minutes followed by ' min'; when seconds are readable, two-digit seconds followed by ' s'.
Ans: 9 h 32 min
